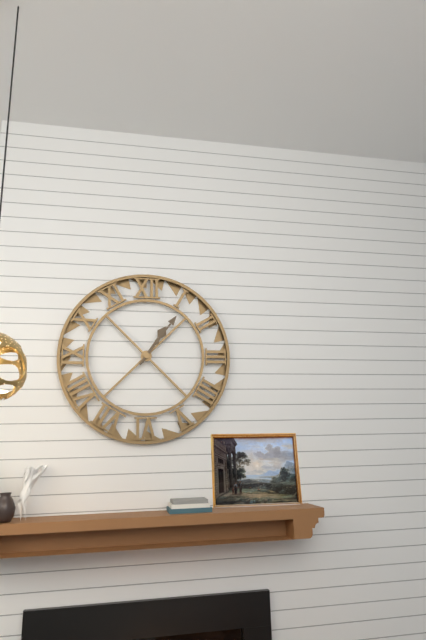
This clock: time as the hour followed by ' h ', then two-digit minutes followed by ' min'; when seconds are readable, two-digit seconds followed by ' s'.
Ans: 1 h 06 min
